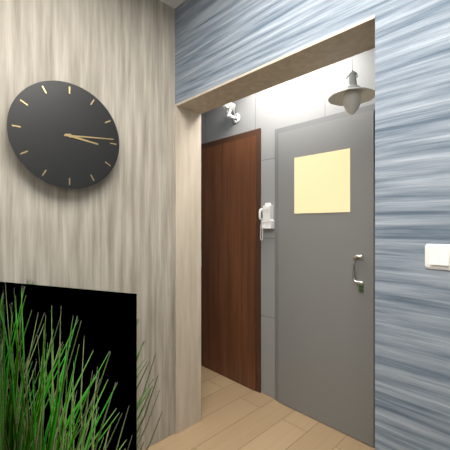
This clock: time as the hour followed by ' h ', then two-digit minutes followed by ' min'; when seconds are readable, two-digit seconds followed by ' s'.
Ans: 3 h 14 min
